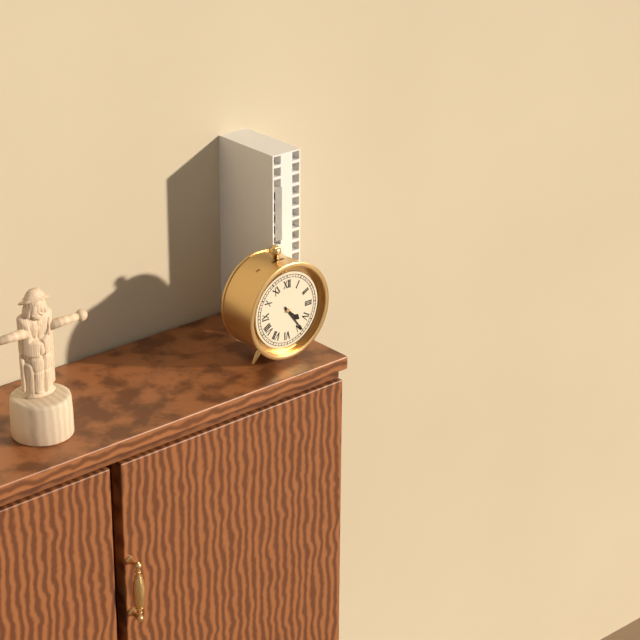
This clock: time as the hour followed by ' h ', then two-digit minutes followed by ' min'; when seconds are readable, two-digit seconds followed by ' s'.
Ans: 4 h 24 min
